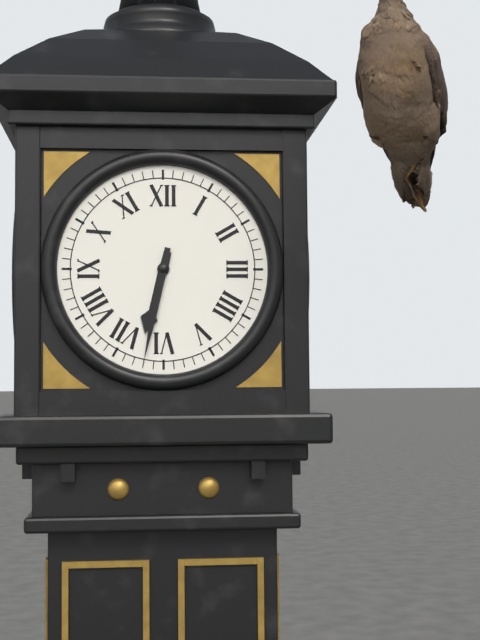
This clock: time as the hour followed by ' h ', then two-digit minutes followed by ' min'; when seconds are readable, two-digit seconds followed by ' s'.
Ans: 6 h 32 min
